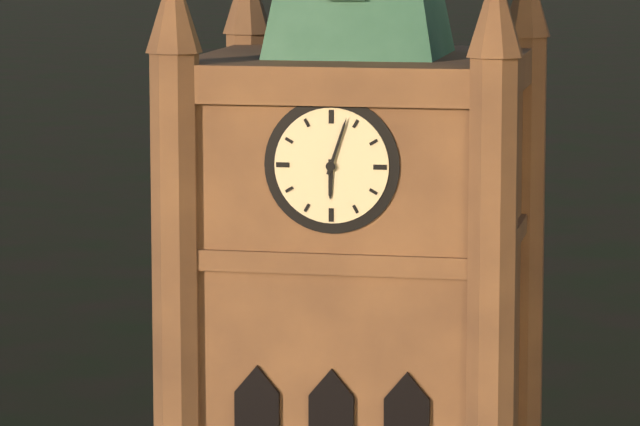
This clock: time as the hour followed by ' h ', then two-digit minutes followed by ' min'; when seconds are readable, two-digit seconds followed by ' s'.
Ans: 6 h 03 min
